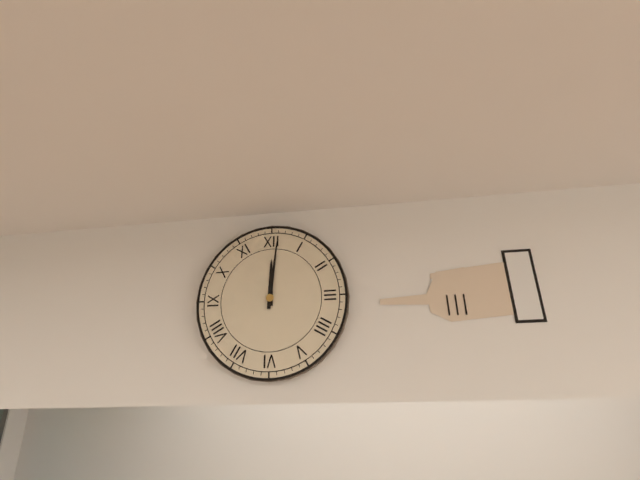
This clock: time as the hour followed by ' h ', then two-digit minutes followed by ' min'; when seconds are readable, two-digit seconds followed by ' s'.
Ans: 12 h 01 min
